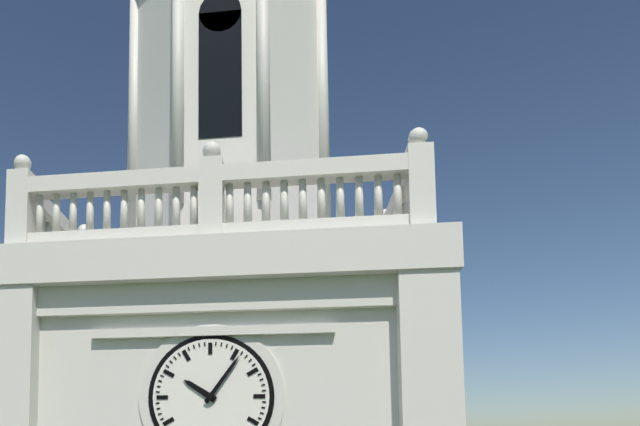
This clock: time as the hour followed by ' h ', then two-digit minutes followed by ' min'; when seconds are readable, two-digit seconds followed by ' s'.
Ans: 10 h 06 min
